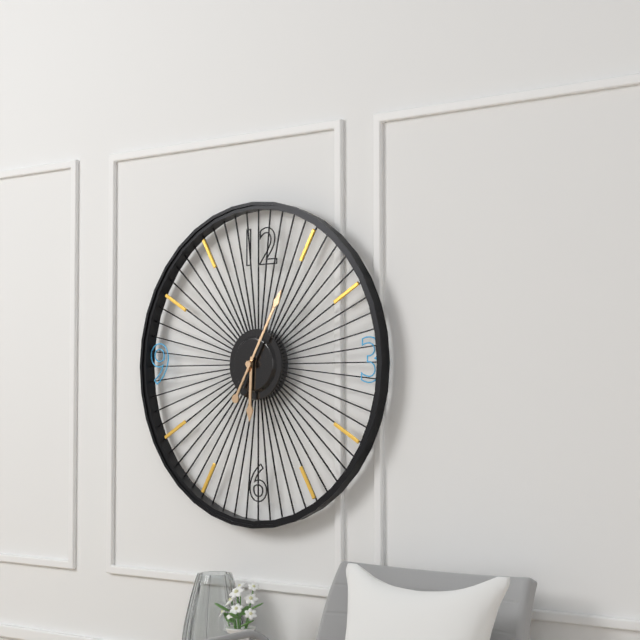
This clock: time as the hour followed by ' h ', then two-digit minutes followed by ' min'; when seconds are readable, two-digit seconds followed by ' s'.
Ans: 6 h 05 min
